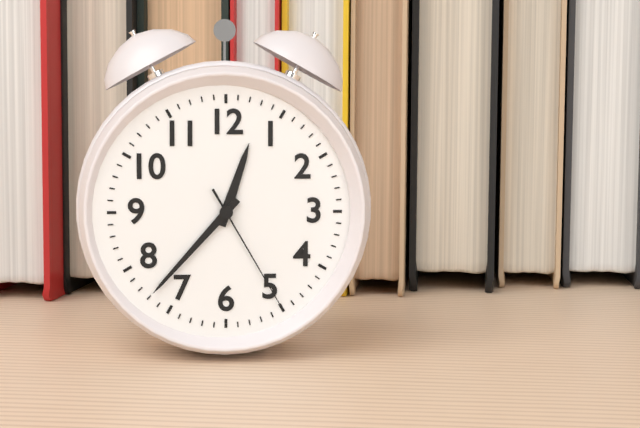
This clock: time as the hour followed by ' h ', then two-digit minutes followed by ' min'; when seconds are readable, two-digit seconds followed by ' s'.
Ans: 12 h 37 min 25 s
